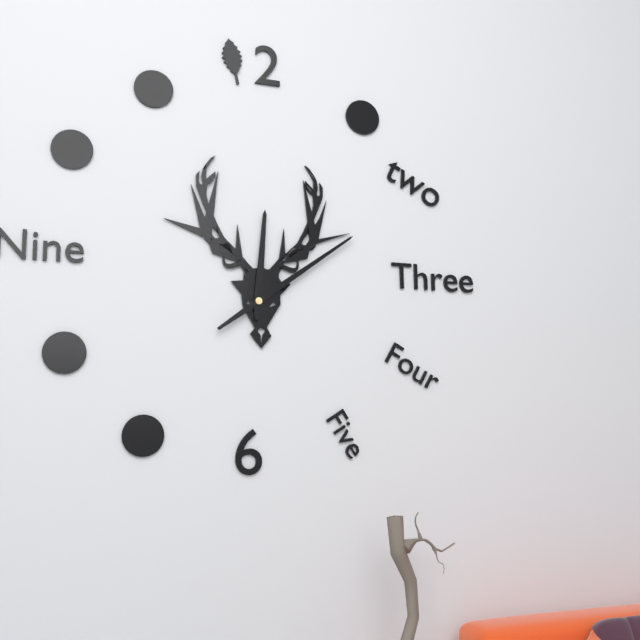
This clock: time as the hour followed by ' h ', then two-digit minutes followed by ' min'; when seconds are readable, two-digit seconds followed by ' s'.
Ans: 12 h 09 min
